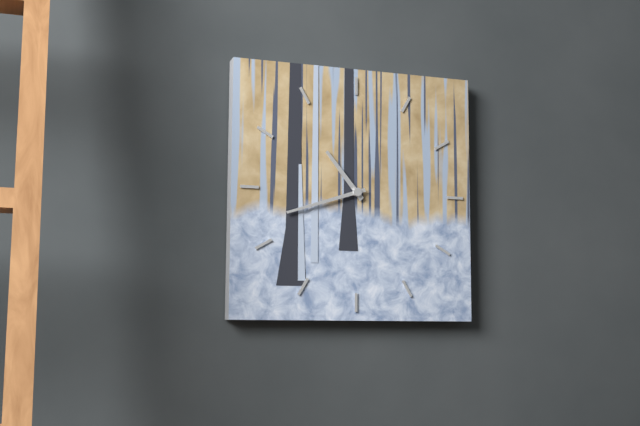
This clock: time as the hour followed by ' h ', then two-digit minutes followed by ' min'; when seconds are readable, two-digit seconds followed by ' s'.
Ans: 10 h 42 min
